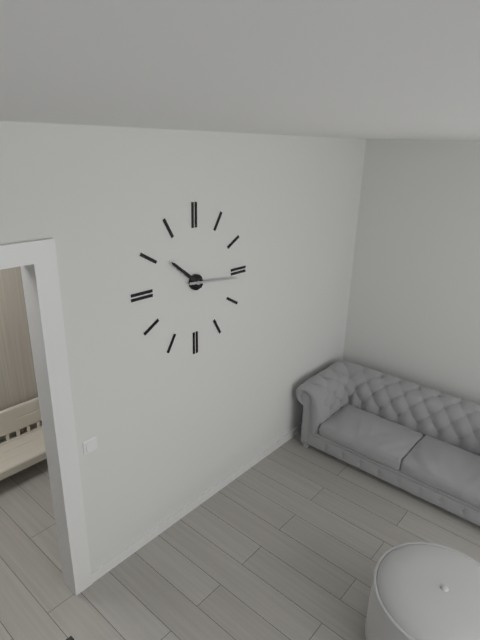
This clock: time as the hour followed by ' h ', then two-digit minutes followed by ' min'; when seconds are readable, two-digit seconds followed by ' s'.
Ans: 10 h 16 min
